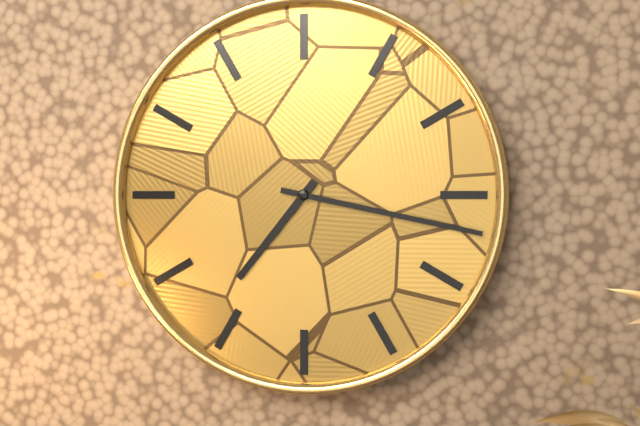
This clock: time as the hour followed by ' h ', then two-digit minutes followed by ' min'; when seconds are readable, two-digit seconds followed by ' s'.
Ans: 7 h 17 min
